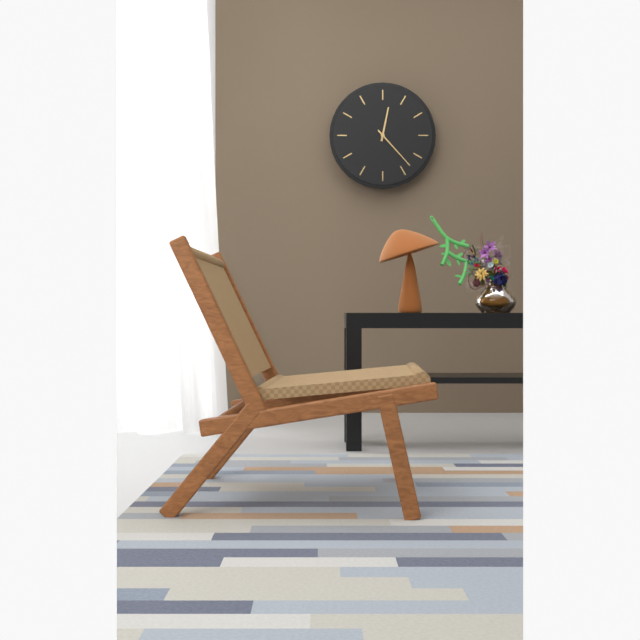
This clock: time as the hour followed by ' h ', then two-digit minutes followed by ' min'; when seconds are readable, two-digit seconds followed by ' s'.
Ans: 12 h 23 min
